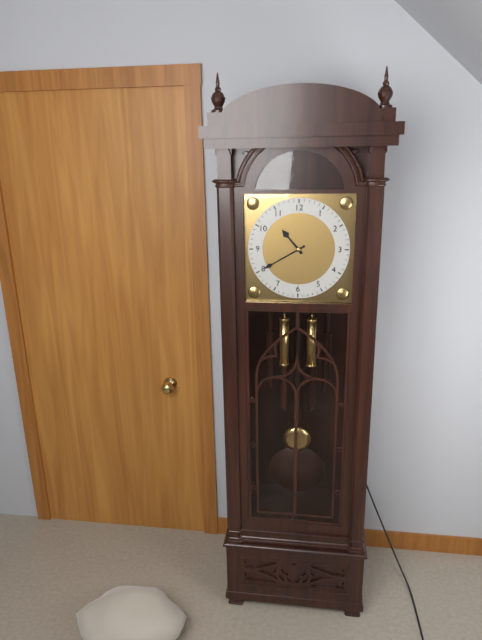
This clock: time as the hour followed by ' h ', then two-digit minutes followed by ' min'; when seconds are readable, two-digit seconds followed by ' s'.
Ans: 10 h 40 min
